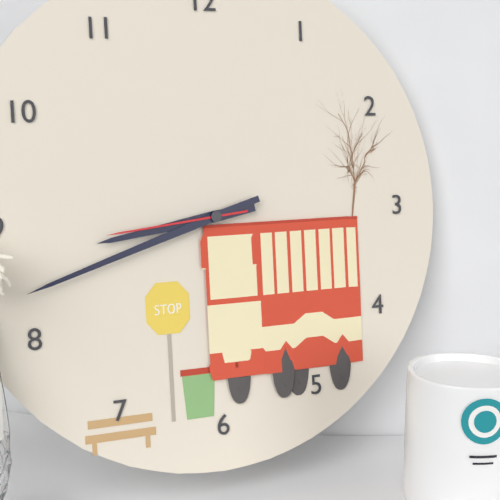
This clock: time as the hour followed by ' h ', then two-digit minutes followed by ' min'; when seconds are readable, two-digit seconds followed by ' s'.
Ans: 8 h 42 min 44 s
